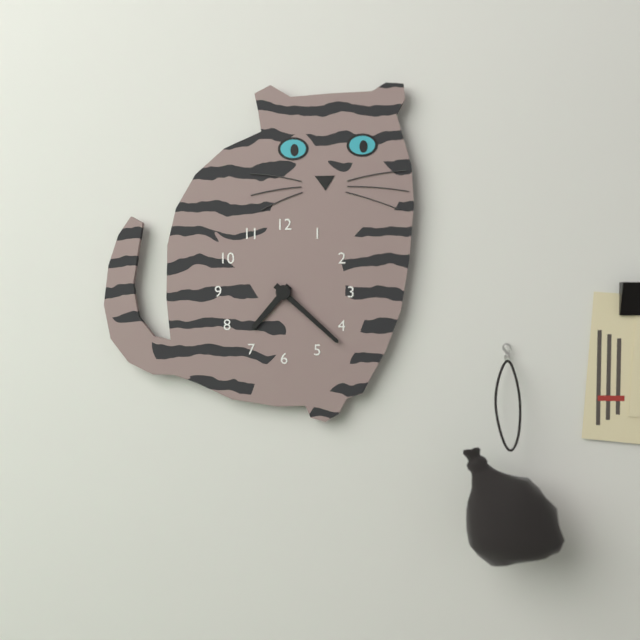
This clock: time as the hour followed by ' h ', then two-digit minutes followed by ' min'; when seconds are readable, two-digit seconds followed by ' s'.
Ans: 7 h 22 min
